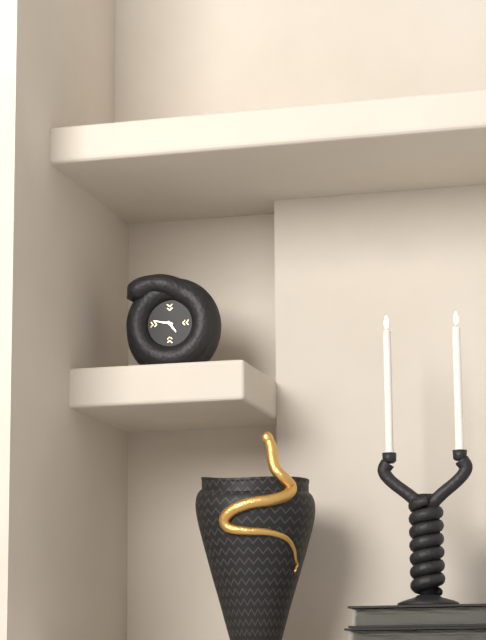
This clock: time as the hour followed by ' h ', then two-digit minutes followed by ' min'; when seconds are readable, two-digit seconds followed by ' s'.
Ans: 4 h 47 min
